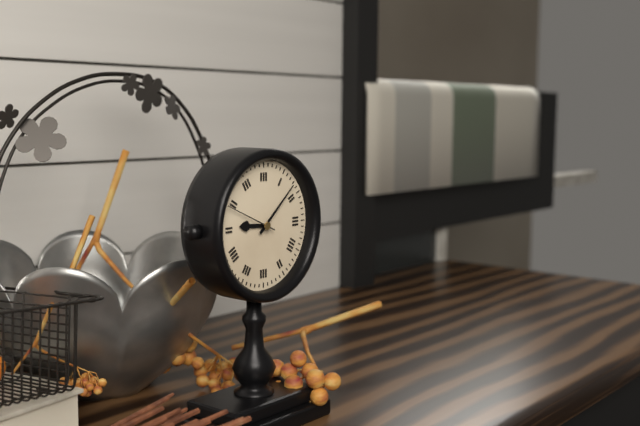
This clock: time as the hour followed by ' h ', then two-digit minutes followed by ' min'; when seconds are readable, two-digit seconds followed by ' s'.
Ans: 9 h 08 min
